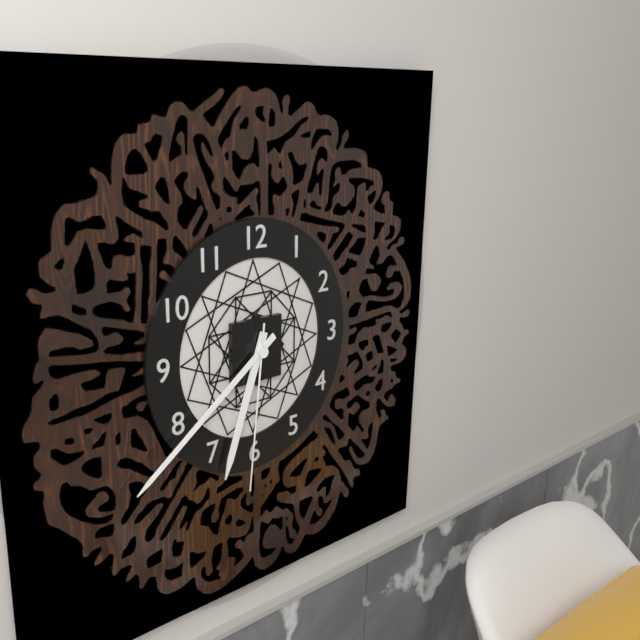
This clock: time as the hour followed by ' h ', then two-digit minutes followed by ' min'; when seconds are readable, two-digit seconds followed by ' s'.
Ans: 6 h 39 min 31 s
